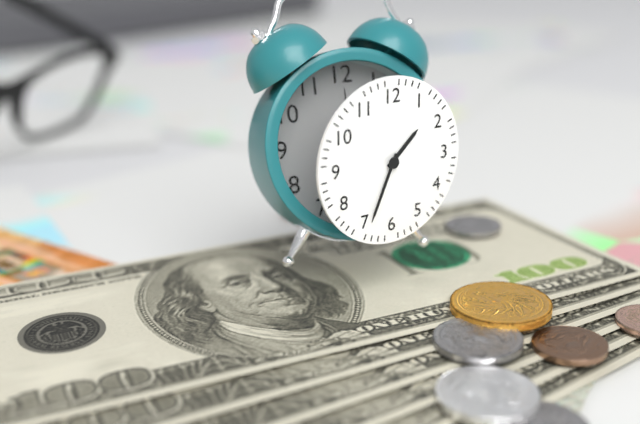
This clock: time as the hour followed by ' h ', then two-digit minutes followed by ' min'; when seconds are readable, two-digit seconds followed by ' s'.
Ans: 1 h 34 min
